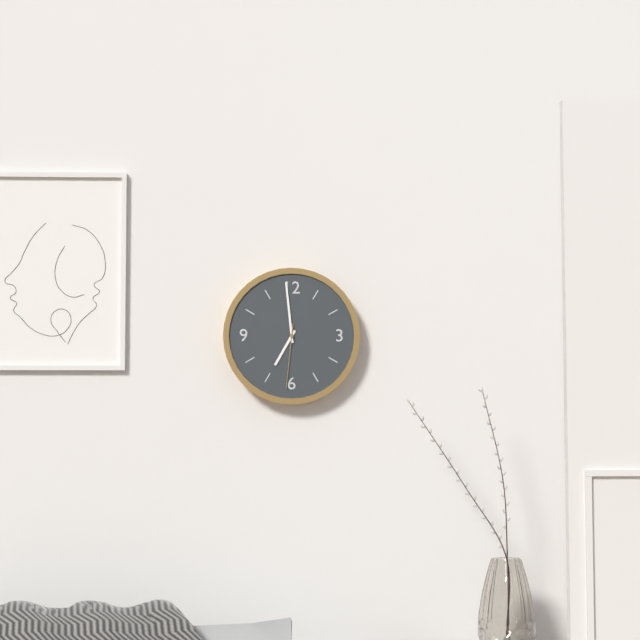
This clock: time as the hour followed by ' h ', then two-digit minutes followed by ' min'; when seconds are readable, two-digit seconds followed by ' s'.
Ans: 6 h 59 min 31 s
